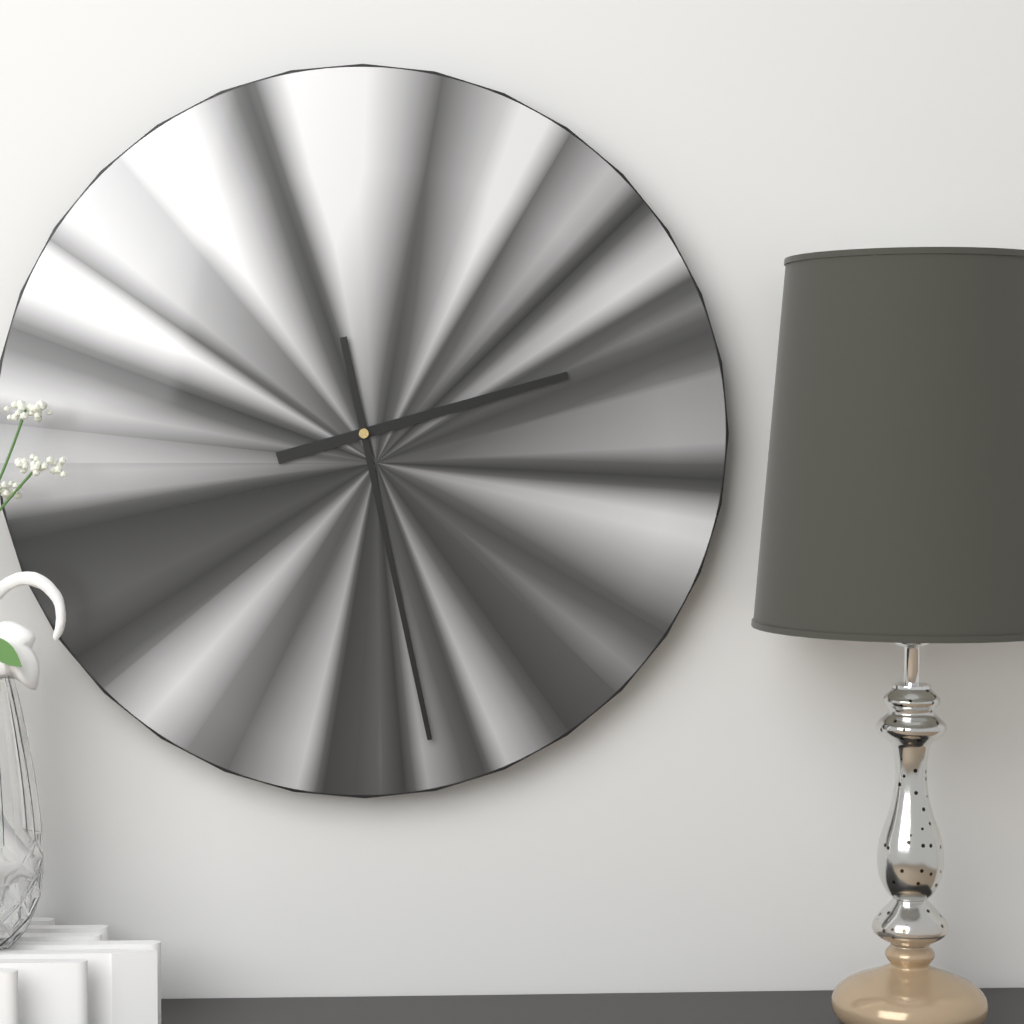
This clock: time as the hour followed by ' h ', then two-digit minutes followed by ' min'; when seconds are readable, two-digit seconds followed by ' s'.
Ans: 2 h 28 min
